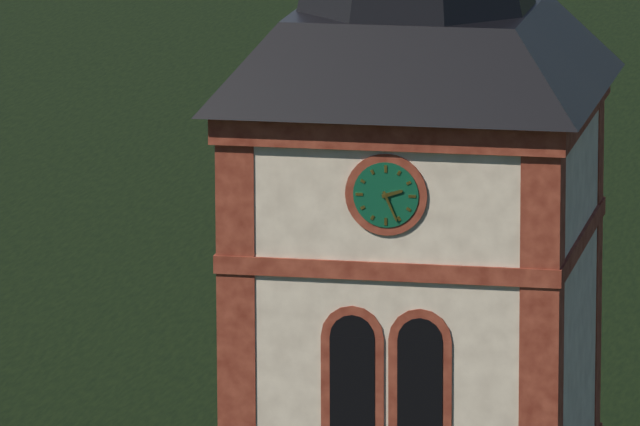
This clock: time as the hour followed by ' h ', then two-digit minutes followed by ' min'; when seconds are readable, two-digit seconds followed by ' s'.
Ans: 2 h 26 min
